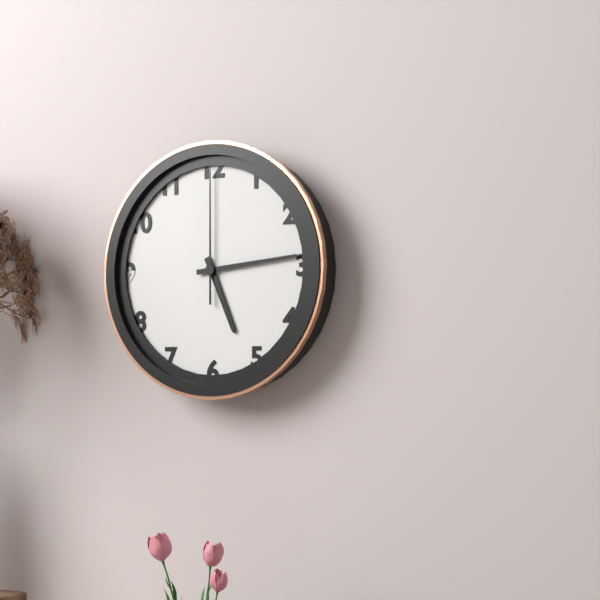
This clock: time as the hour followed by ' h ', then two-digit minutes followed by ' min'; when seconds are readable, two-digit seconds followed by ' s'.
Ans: 5 h 14 min 00 s
